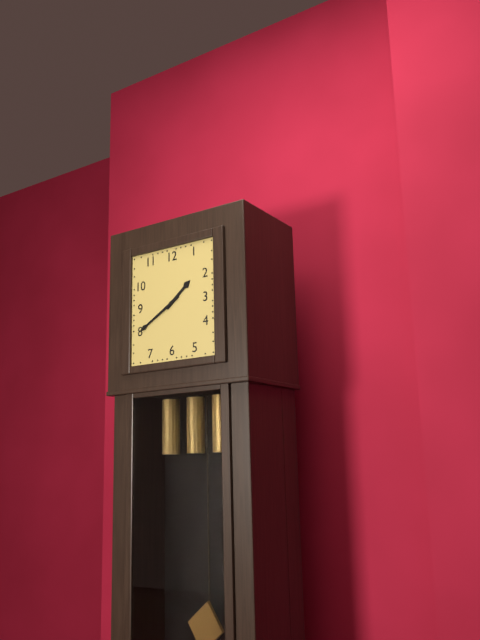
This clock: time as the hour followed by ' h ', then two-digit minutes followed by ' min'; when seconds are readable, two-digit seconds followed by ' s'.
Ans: 1 h 40 min
